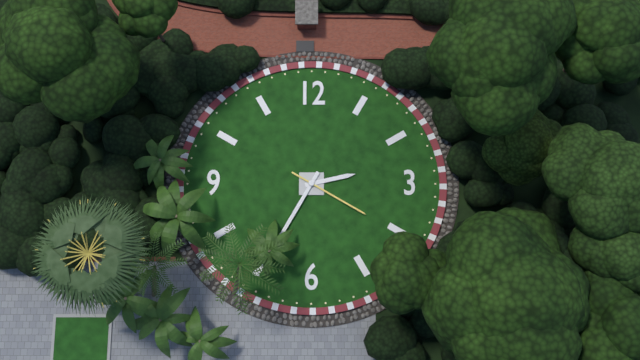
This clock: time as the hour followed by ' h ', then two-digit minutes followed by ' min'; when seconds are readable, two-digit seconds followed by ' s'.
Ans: 2 h 35 min 20 s
